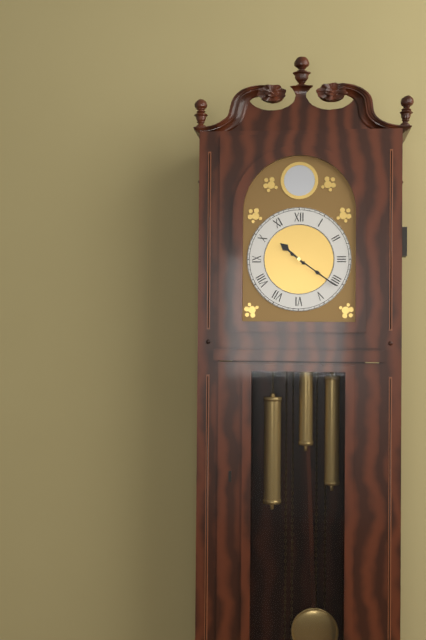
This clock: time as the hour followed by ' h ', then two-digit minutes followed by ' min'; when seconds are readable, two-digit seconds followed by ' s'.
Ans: 10 h 21 min
